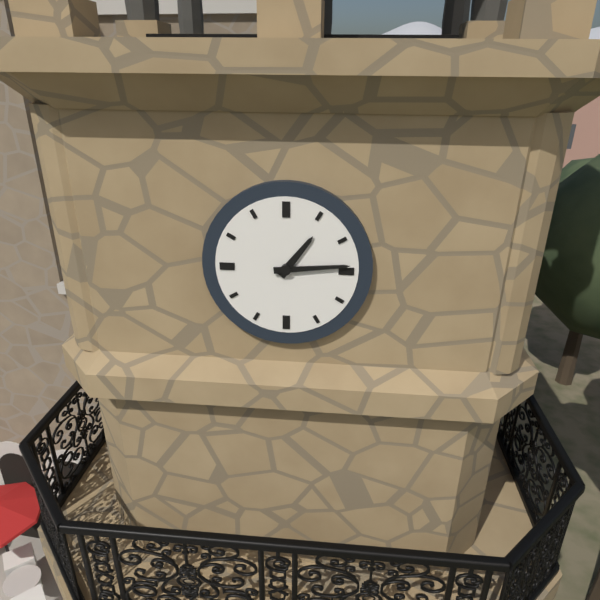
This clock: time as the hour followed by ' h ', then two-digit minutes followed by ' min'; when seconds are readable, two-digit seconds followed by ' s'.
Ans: 1 h 14 min
